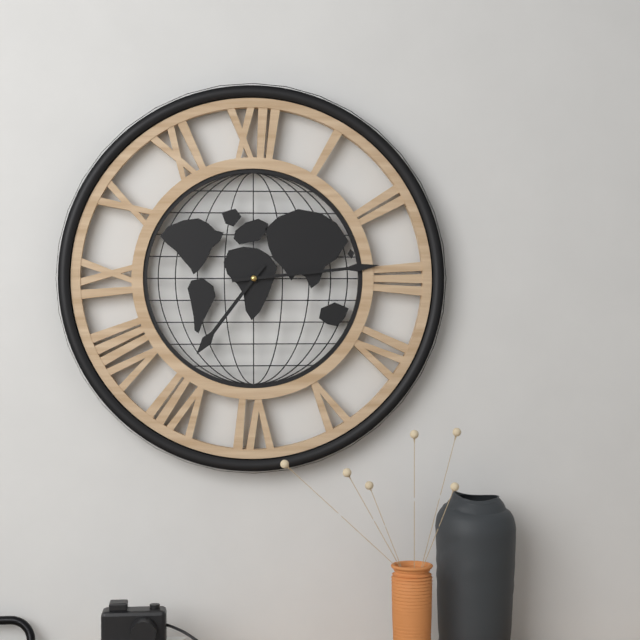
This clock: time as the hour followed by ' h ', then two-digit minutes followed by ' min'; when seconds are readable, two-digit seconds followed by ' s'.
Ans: 7 h 14 min
